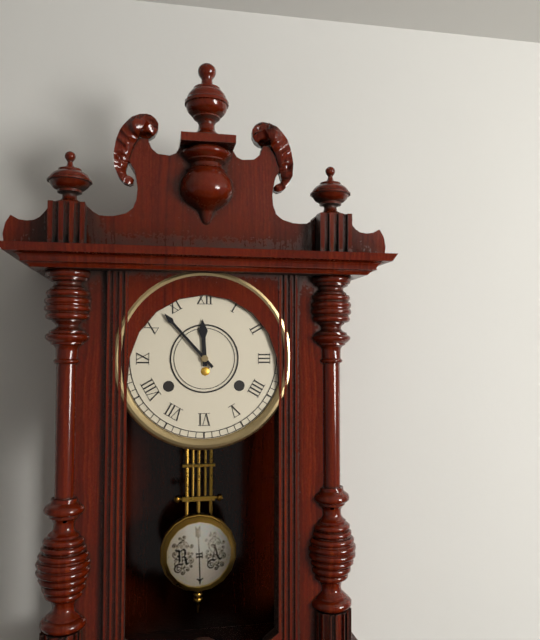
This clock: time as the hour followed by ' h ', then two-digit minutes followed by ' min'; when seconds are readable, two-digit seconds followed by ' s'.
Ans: 11 h 53 min
